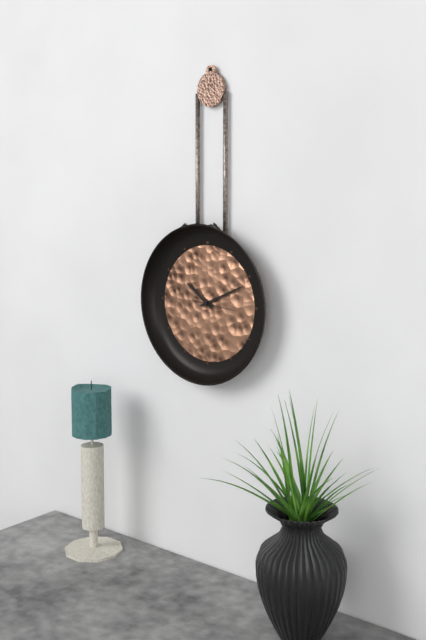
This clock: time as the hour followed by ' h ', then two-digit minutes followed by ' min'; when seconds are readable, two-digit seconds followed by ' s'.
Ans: 10 h 11 min
